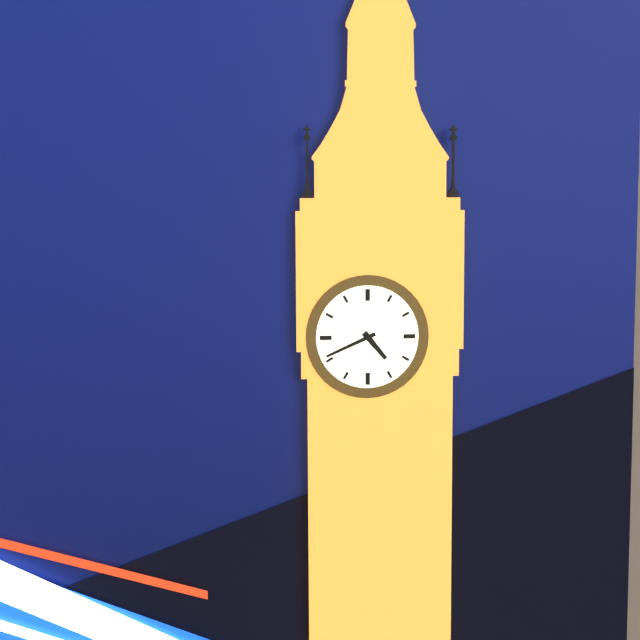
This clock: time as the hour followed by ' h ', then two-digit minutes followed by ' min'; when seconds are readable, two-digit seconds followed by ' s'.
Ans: 4 h 41 min
